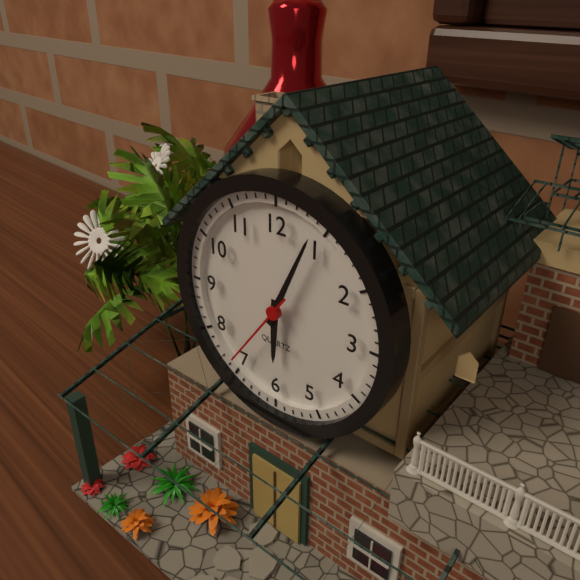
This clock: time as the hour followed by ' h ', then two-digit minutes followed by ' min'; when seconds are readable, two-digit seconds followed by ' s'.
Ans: 6 h 04 min 36 s
